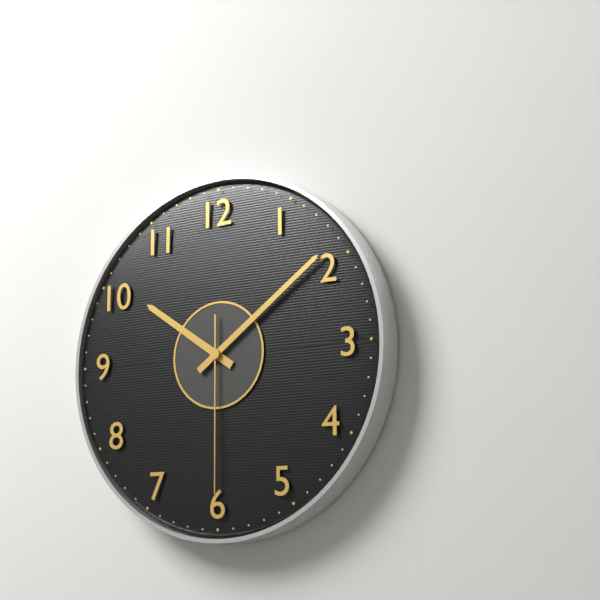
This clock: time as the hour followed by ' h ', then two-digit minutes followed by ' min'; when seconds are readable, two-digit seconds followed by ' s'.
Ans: 10 h 09 min 30 s
